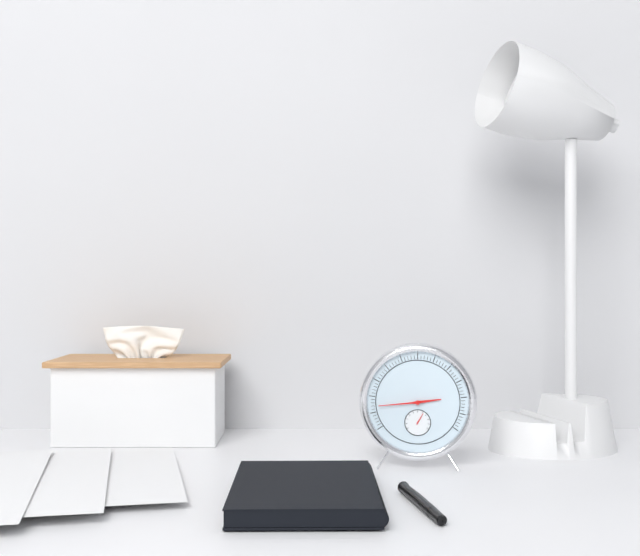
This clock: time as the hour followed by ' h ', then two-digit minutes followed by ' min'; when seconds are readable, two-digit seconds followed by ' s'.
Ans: 2 h 44 min
